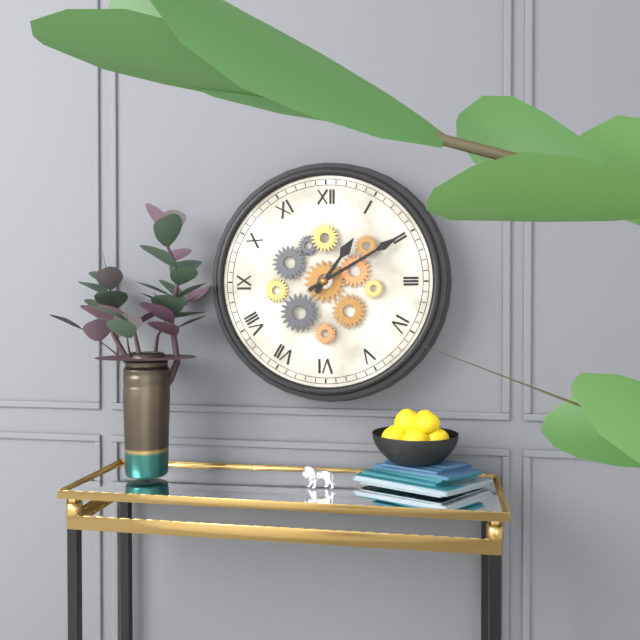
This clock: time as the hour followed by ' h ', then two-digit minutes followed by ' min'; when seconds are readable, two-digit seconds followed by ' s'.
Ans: 1 h 10 min
